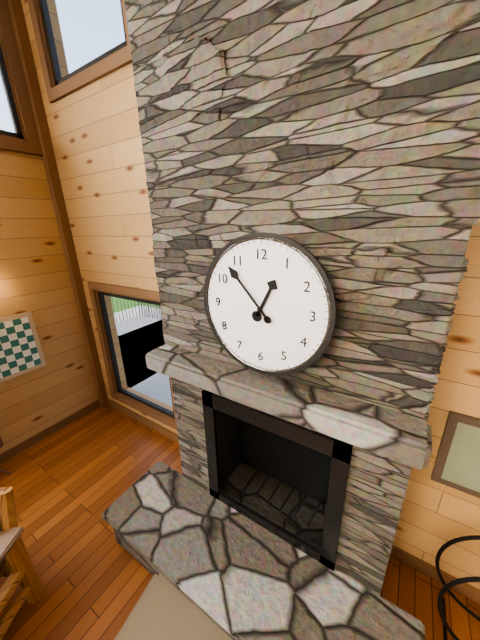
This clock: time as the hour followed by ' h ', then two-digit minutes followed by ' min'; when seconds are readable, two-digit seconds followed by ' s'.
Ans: 12 h 53 min
